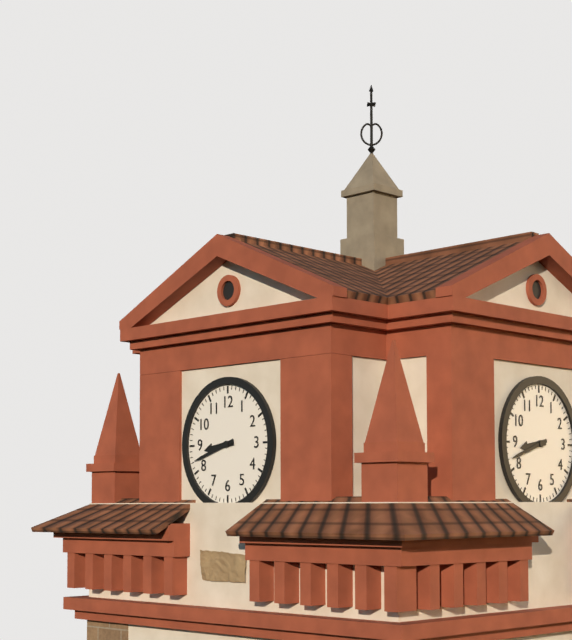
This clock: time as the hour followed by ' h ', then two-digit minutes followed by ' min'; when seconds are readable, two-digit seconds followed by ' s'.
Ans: 8 h 42 min
